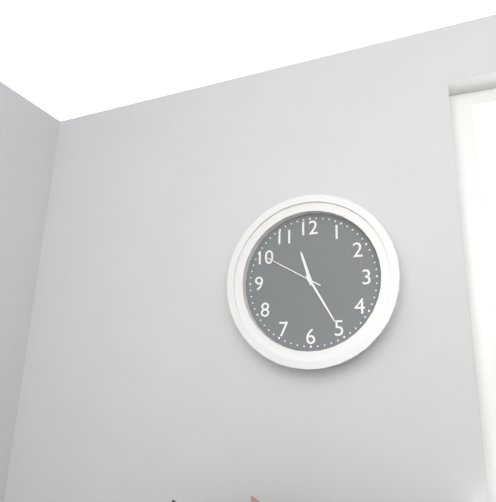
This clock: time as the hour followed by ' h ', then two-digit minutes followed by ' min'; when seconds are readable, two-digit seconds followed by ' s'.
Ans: 11 h 25 min 50 s
